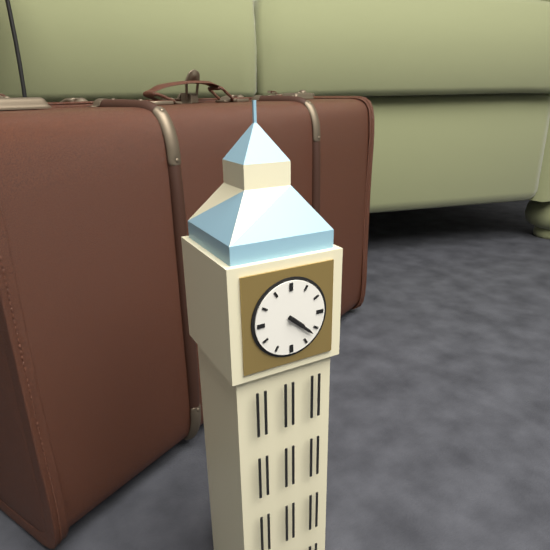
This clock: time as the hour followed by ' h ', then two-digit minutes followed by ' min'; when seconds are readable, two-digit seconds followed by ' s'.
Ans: 4 h 22 min
